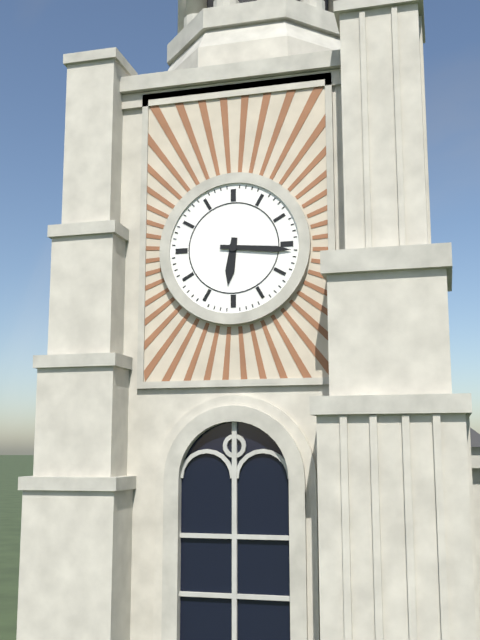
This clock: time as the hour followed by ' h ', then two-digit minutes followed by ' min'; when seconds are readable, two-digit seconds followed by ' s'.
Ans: 6 h 16 min
